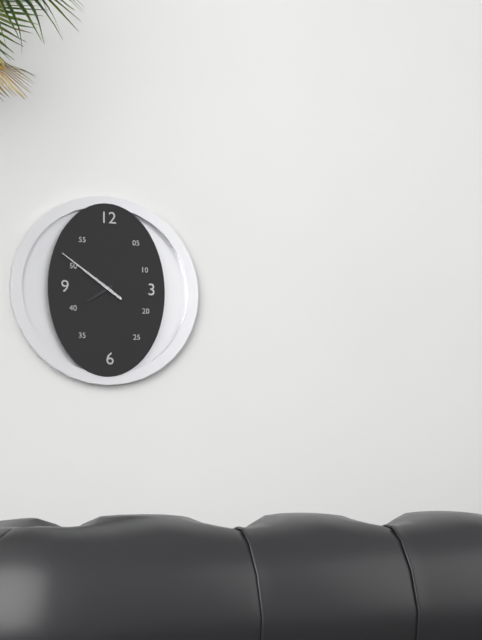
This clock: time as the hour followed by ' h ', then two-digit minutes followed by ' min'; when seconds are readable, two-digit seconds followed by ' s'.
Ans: 7 h 51 min
